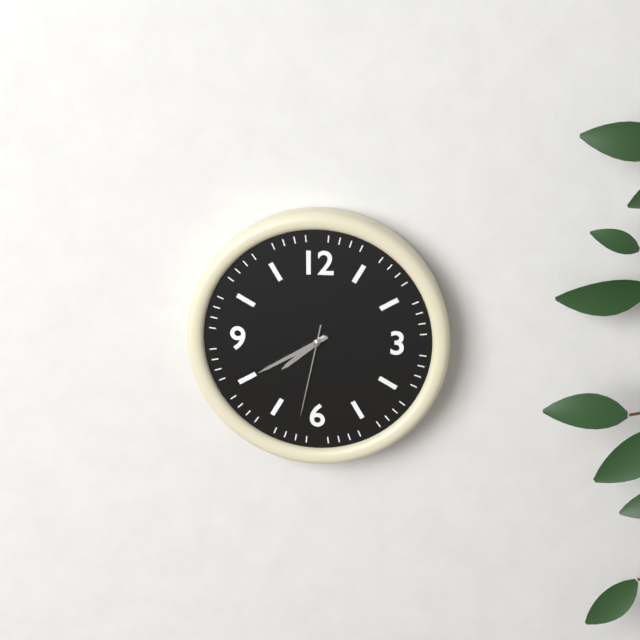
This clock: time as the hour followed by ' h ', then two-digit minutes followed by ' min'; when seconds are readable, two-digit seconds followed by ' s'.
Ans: 7 h 40 min 32 s
